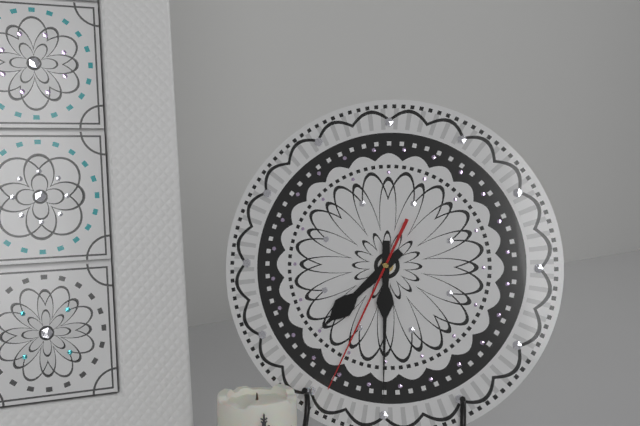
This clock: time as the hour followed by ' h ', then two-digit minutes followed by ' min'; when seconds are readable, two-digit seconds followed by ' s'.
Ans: 7 h 30 min 34 s
